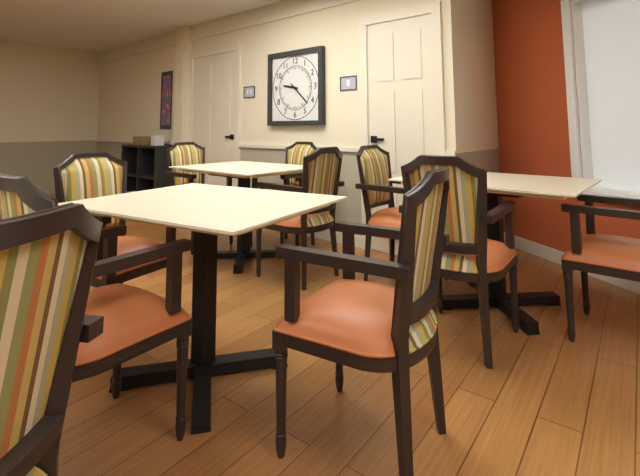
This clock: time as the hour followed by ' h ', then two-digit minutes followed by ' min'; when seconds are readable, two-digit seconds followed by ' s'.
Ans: 9 h 22 min
